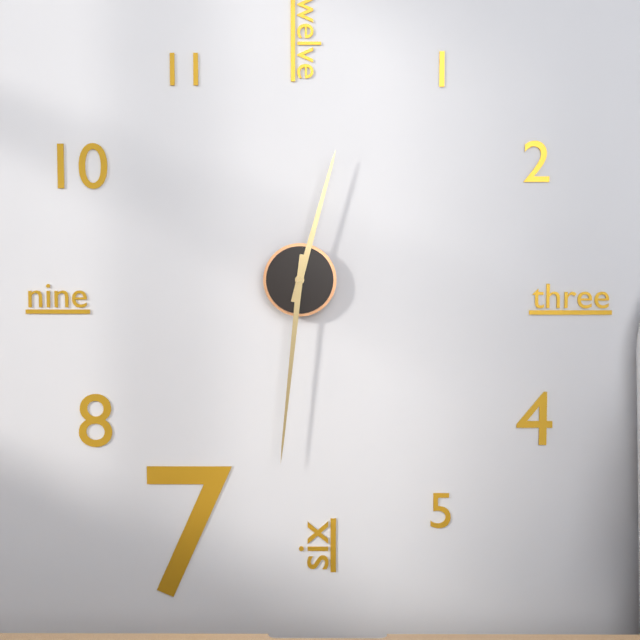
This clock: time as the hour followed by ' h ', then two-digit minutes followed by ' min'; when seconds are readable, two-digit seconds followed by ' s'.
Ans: 12 h 31 min
